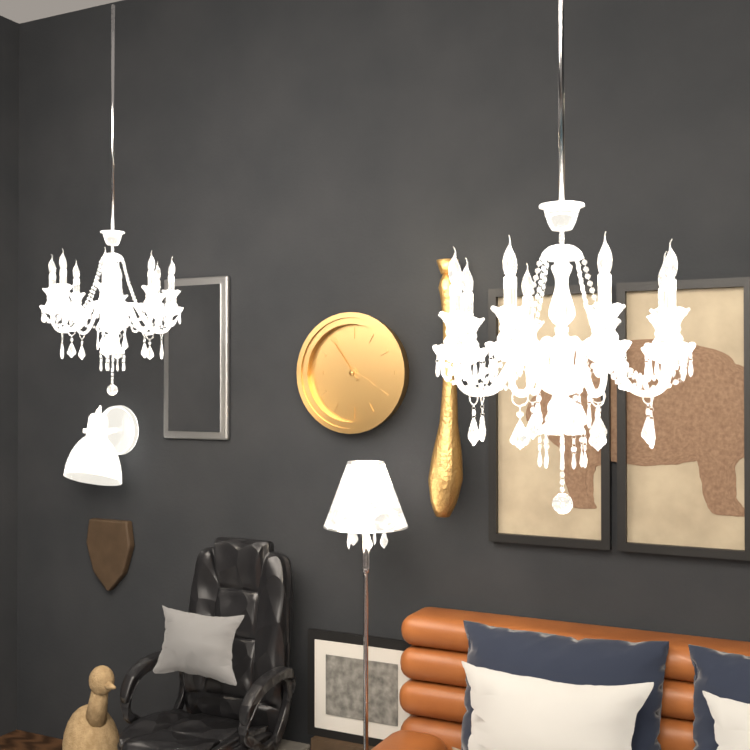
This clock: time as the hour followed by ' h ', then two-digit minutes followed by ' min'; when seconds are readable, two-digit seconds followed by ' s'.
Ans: 3 h 54 min
